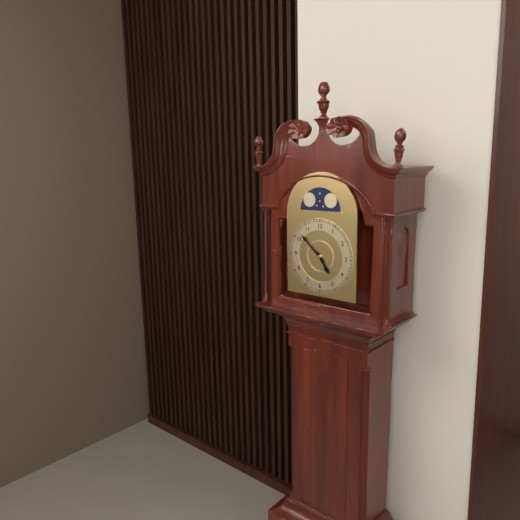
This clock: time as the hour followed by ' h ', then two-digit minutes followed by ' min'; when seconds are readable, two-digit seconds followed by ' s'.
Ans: 4 h 52 min
